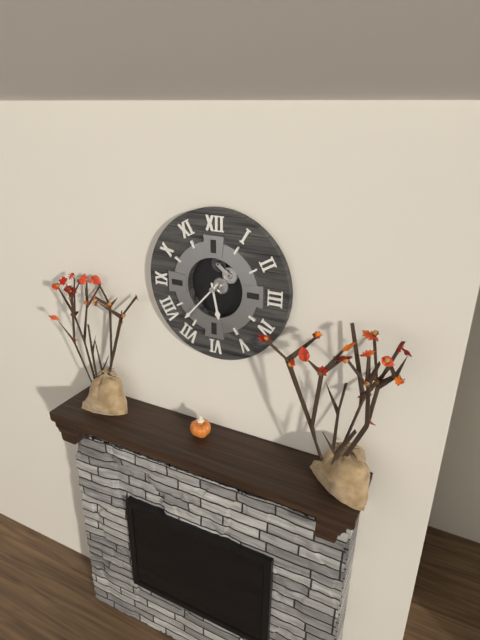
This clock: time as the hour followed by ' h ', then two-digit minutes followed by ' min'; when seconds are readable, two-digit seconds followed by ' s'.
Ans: 5 h 37 min
